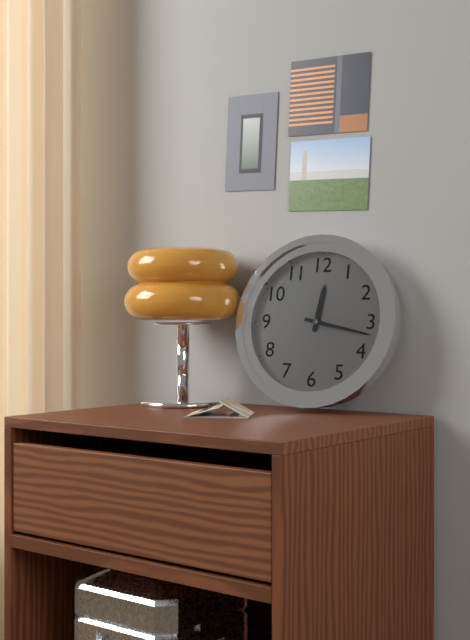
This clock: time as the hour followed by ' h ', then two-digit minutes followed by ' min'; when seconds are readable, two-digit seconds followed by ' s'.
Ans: 12 h 17 min
